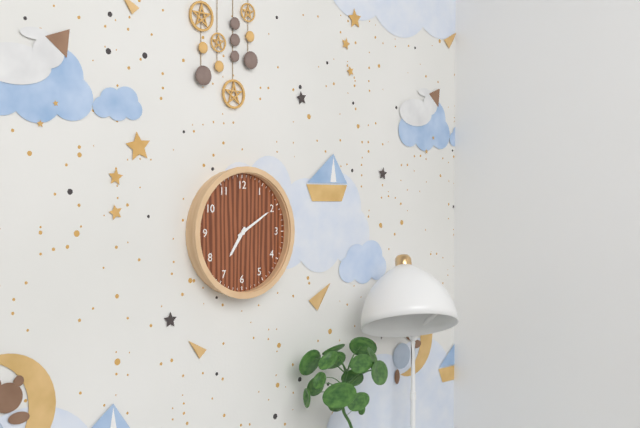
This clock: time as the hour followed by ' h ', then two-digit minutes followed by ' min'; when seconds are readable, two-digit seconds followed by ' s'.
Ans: 7 h 10 min
